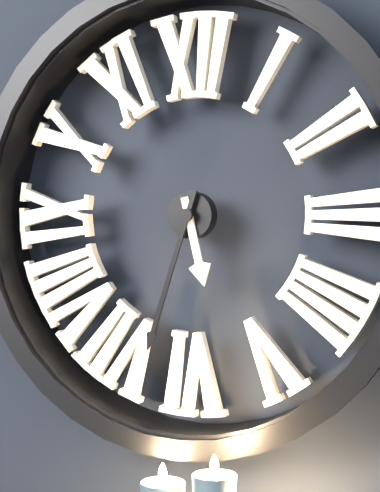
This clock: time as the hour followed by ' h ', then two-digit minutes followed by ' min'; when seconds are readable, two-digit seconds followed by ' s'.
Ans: 5 h 33 min
